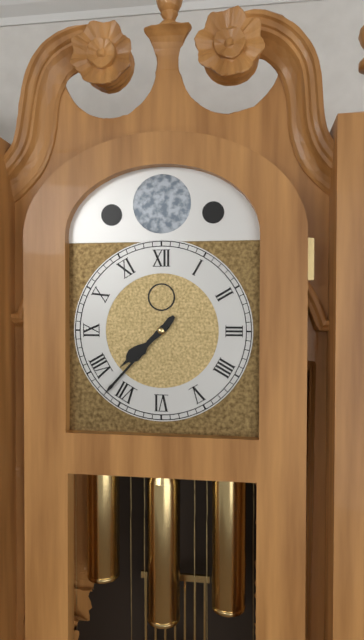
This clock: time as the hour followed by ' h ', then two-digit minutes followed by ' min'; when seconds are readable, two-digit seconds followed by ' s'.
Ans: 7 h 37 min
